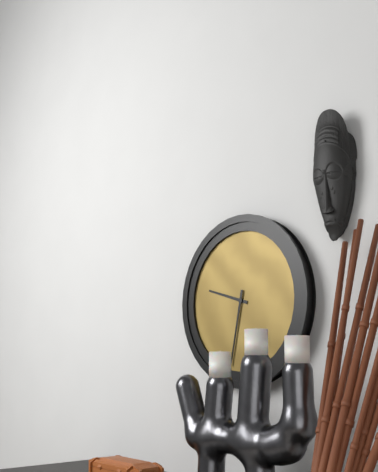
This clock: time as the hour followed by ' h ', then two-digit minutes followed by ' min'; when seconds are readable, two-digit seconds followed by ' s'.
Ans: 9 h 32 min
